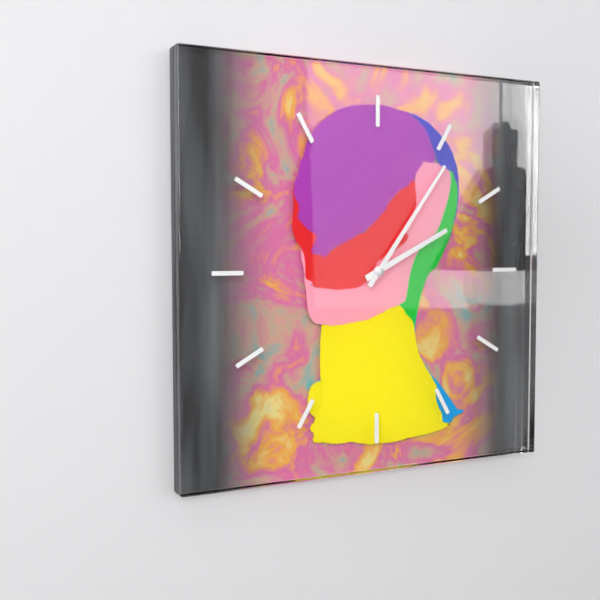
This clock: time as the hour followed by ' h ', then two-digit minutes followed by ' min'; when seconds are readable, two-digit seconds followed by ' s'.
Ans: 2 h 06 min
